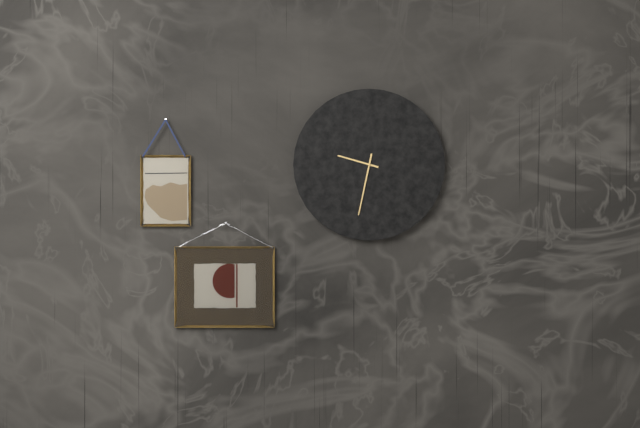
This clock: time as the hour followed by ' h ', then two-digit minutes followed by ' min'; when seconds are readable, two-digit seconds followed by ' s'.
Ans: 9 h 32 min
